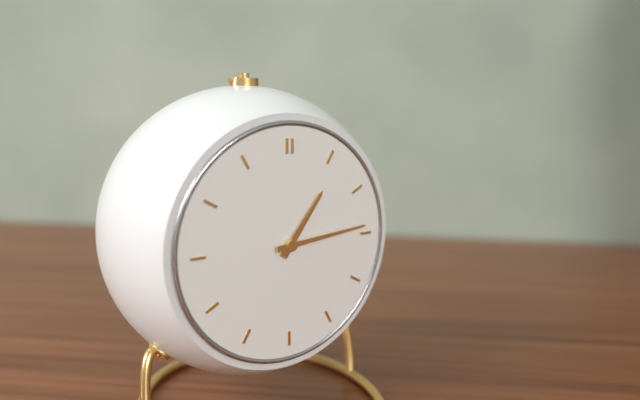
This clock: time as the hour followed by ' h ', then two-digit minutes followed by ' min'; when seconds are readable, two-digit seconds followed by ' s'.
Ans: 1 h 14 min
